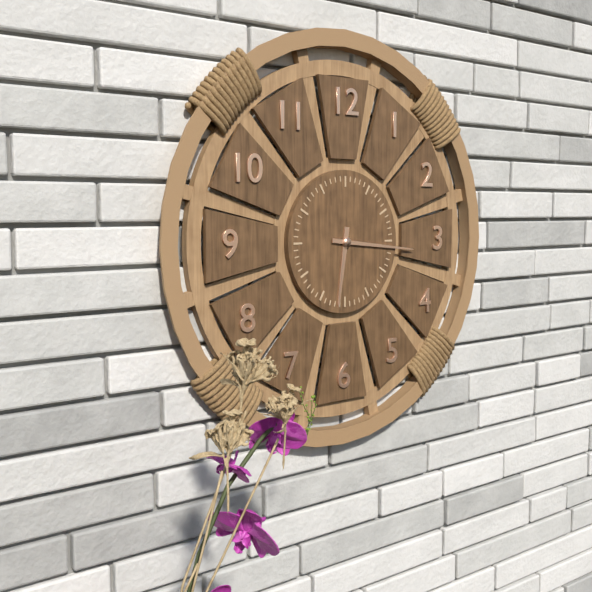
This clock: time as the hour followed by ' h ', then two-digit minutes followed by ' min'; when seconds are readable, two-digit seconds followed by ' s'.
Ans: 6 h 16 min
